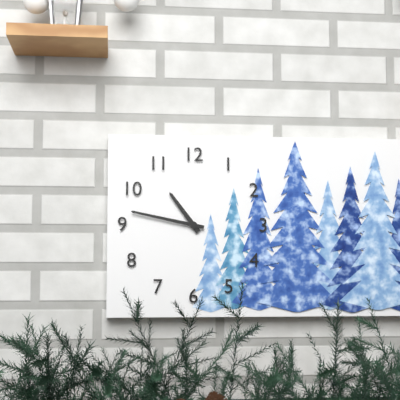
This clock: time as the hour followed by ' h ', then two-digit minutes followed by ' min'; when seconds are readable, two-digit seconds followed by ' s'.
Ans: 10 h 47 min
